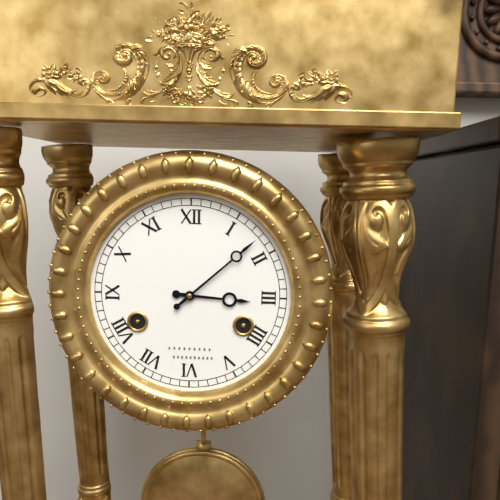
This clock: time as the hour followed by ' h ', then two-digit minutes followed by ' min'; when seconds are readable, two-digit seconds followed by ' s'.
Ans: 3 h 08 min
